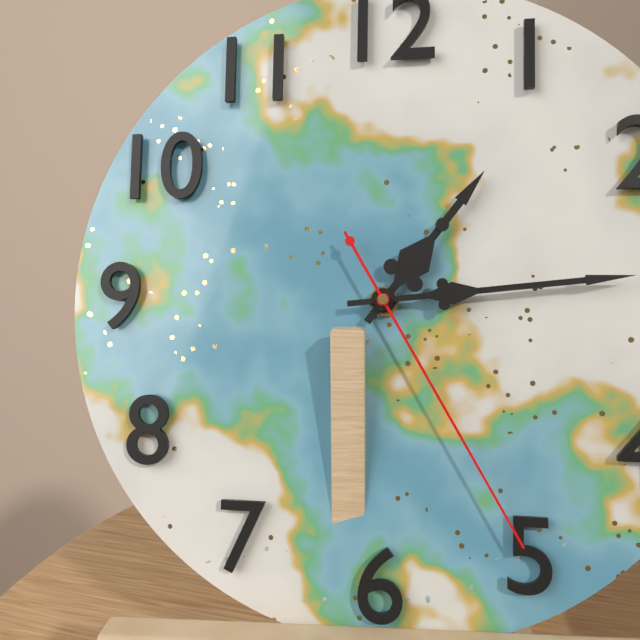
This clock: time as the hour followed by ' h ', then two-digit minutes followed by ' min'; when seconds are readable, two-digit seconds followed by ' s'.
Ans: 1 h 14 min 25 s
